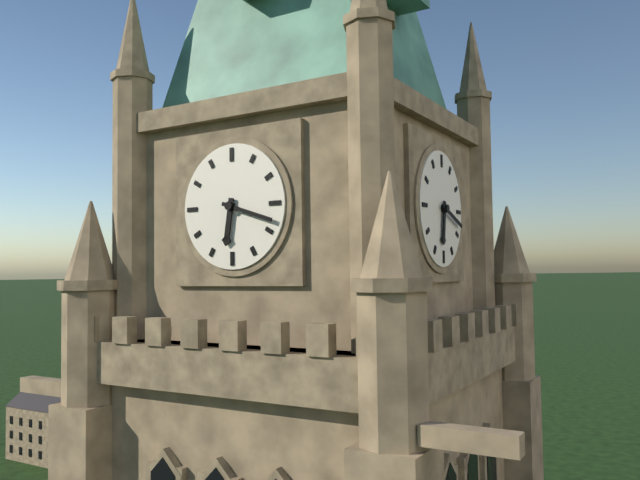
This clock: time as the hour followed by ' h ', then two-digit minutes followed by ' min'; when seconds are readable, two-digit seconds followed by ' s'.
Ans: 6 h 18 min
